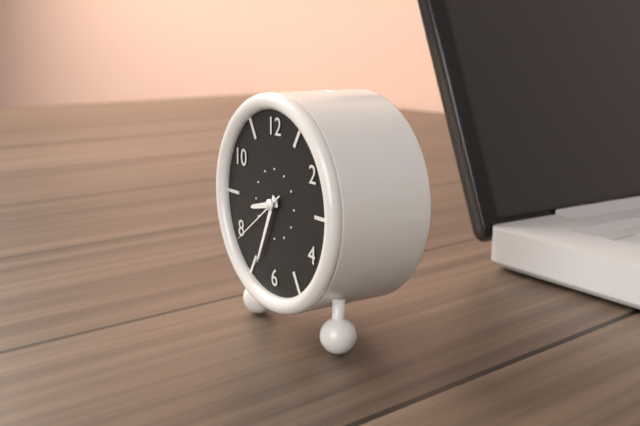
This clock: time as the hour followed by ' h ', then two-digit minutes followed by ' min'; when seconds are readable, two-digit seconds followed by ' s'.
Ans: 8 h 34 min 39 s
